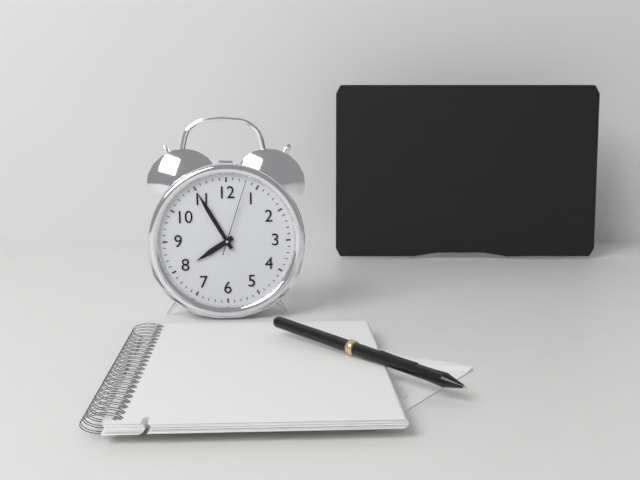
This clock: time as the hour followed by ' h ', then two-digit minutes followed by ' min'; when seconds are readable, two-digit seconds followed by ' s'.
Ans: 7 h 55 min 03 s
